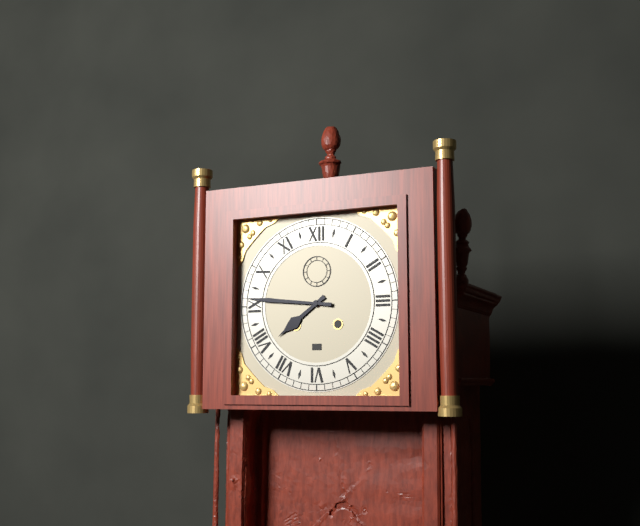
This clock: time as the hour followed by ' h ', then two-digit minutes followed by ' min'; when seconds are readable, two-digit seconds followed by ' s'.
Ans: 7 h 46 min
